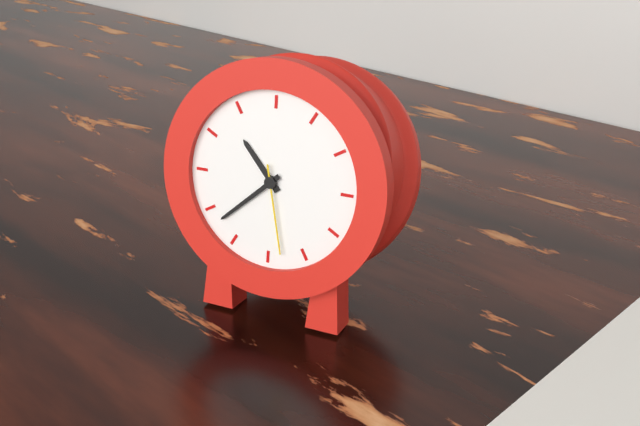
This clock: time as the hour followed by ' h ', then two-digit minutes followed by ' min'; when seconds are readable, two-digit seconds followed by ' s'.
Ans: 10 h 38 min 28 s
